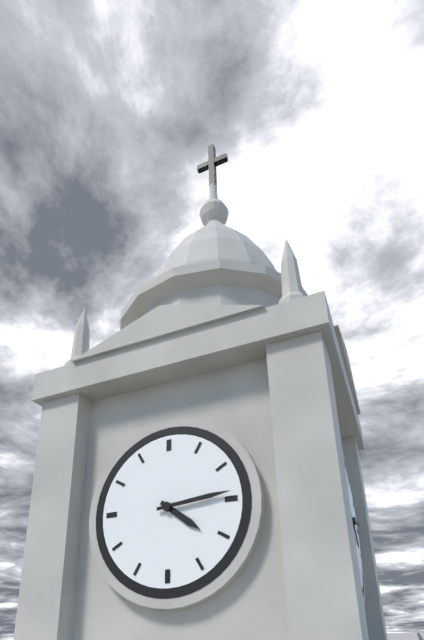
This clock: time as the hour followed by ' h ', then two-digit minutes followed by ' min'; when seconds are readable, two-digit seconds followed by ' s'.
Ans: 4 h 14 min
